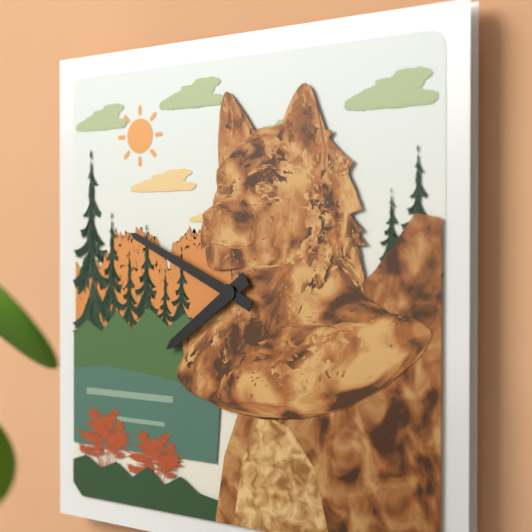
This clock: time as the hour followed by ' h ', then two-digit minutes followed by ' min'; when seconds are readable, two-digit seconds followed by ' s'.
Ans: 7 h 49 min
